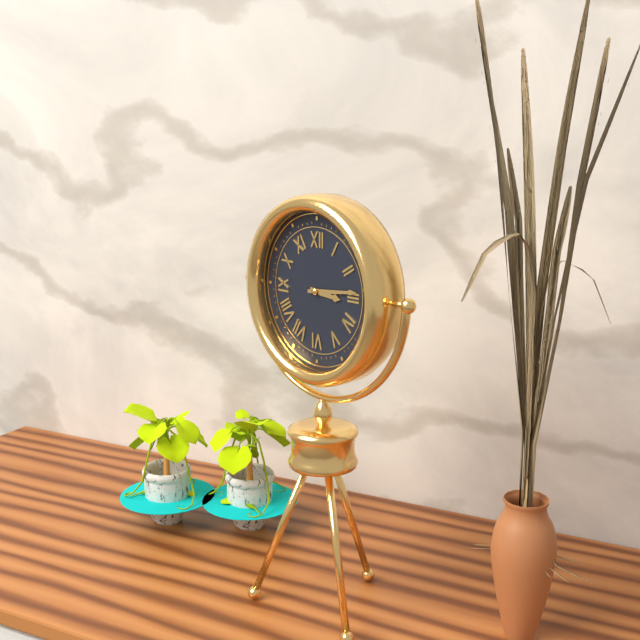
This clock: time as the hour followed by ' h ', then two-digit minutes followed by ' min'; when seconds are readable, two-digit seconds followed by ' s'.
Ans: 3 h 14 min
